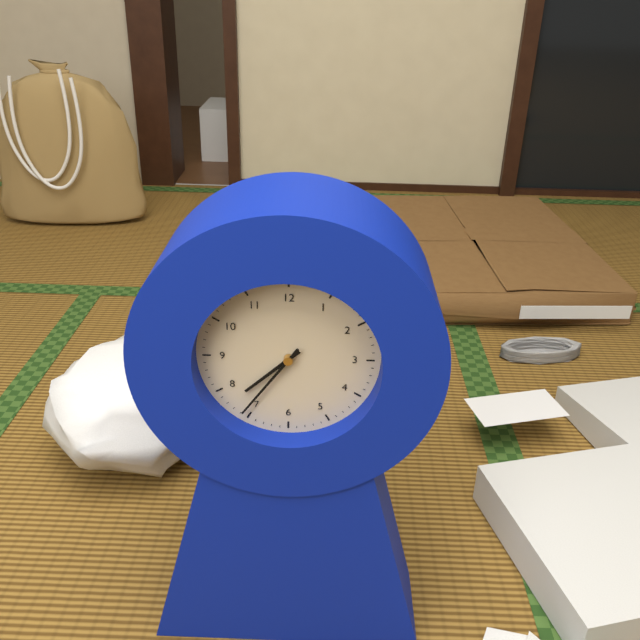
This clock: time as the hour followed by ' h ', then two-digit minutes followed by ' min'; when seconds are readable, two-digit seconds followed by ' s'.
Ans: 7 h 36 min
